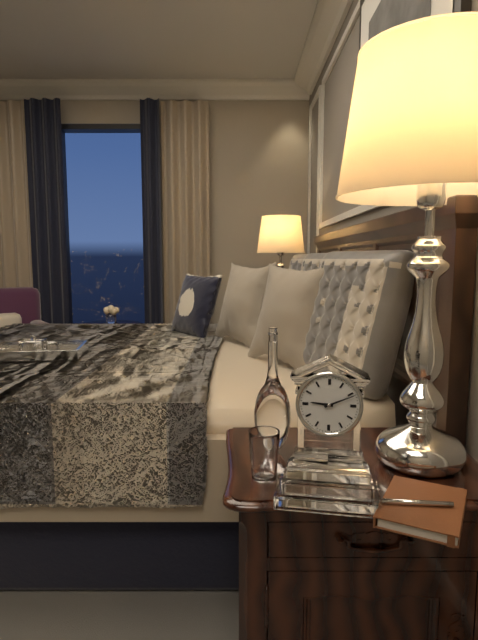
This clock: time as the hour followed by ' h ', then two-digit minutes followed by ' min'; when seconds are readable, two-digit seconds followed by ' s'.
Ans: 9 h 11 min
